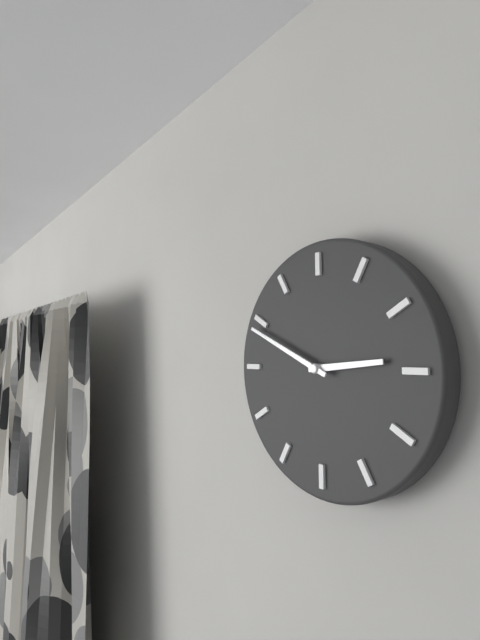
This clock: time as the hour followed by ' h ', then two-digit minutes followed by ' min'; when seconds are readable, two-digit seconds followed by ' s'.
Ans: 2 h 49 min
